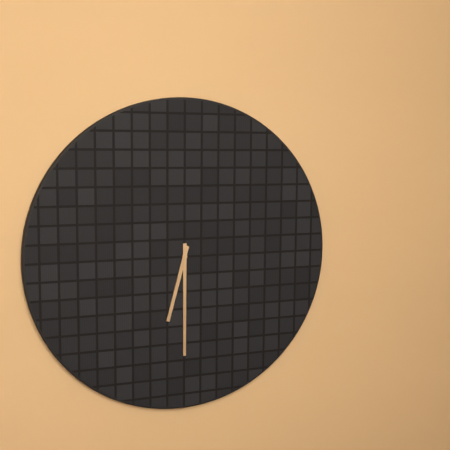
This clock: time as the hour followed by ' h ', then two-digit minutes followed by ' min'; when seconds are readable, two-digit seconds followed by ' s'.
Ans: 6 h 30 min
